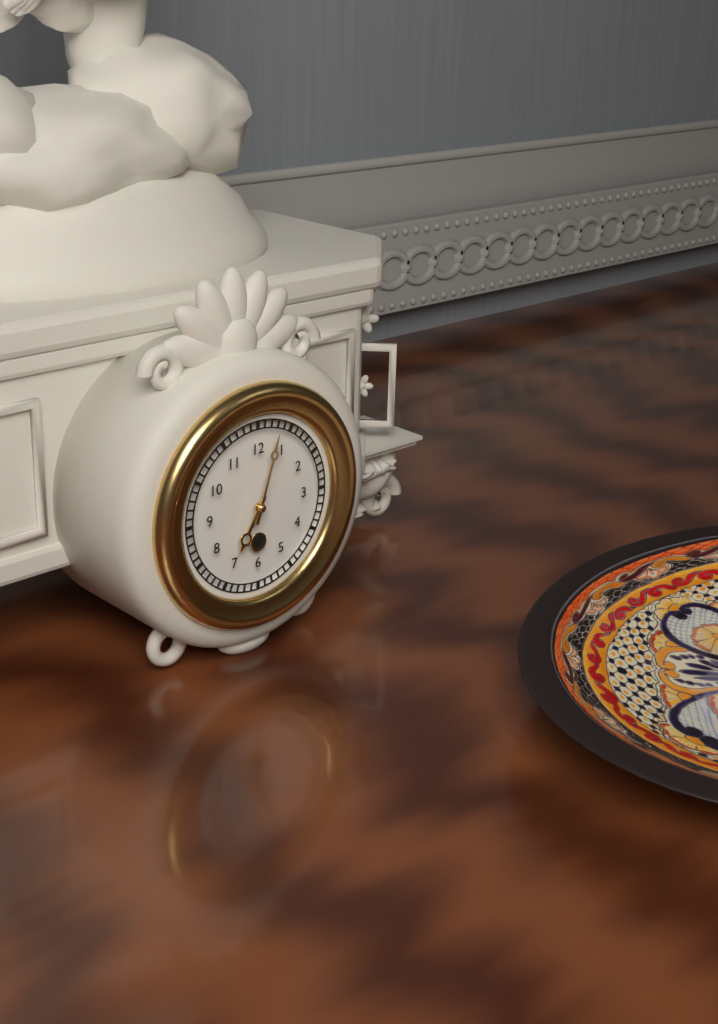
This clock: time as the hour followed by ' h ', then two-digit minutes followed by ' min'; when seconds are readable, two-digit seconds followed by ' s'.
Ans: 7 h 03 min
